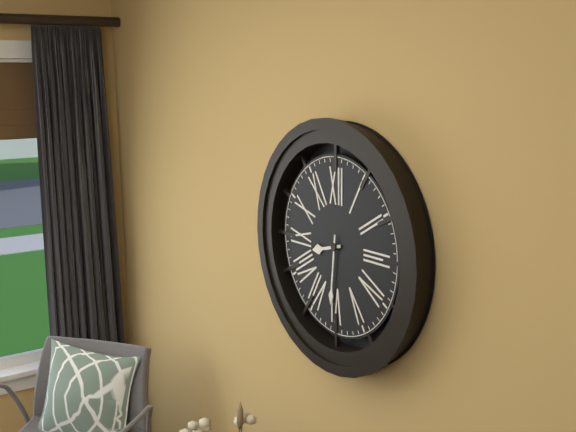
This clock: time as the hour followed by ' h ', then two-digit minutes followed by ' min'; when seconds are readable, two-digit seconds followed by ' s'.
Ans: 8 h 31 min
